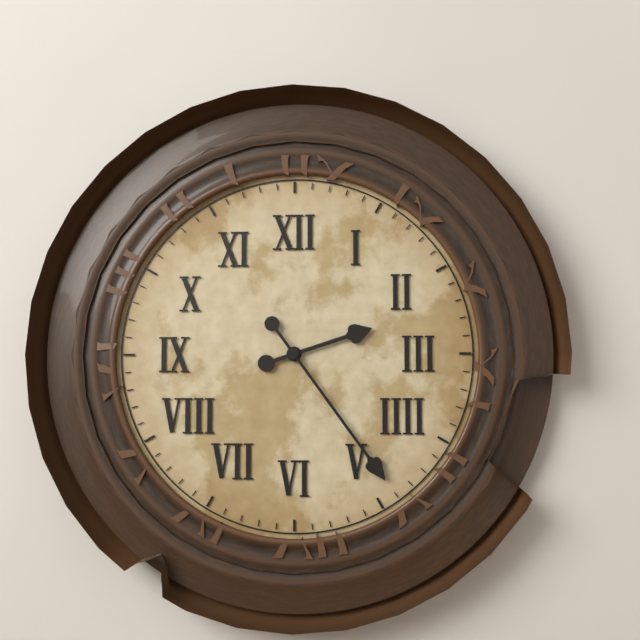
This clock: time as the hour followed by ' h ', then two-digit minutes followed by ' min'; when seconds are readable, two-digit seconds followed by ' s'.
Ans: 2 h 24 min
